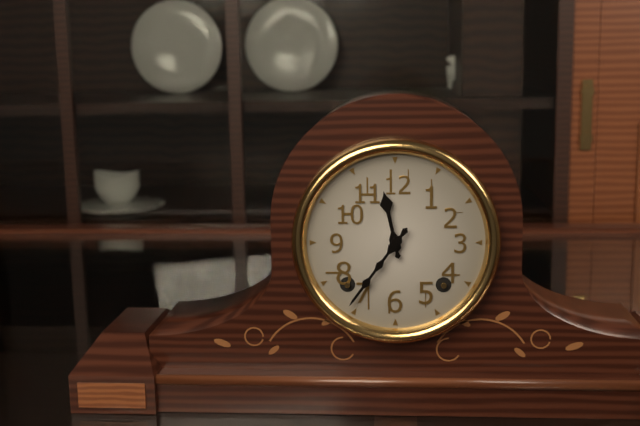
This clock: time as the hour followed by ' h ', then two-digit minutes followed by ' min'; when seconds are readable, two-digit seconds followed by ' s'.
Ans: 11 h 36 min
